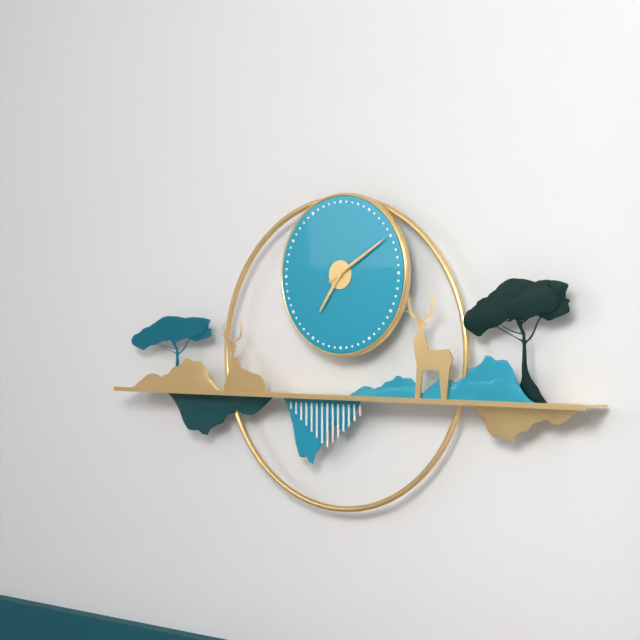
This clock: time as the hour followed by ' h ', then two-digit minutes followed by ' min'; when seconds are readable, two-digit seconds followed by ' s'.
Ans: 7 h 10 min 10 s
